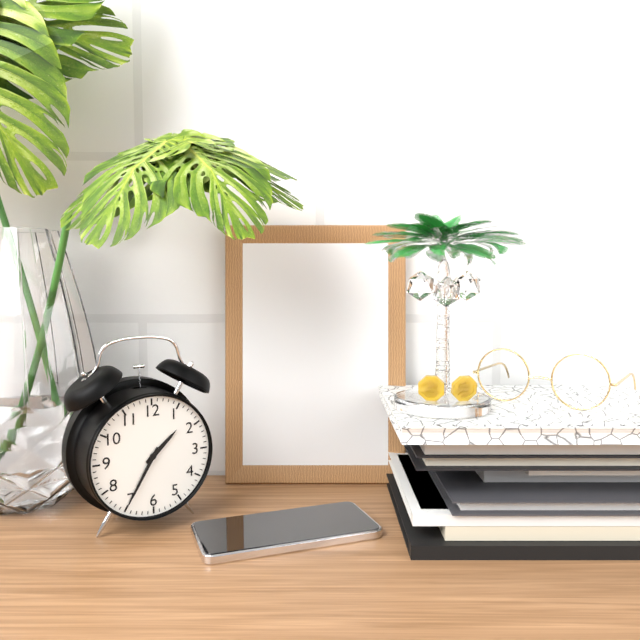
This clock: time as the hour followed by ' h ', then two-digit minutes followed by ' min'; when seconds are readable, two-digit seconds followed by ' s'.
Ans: 1 h 35 min
